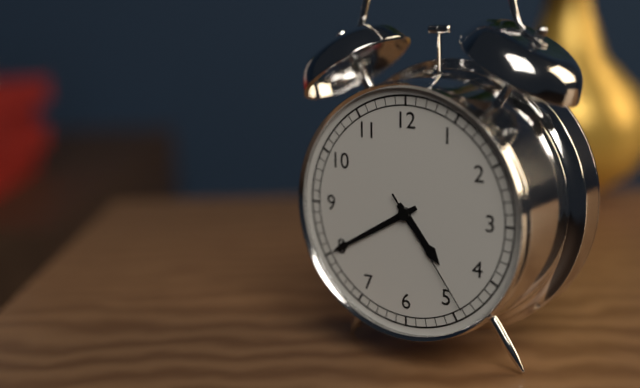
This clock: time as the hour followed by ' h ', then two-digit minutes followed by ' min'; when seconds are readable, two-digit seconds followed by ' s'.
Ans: 4 h 40 min 24 s
